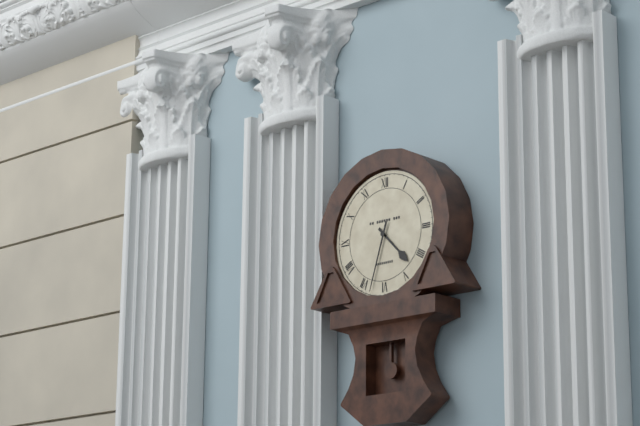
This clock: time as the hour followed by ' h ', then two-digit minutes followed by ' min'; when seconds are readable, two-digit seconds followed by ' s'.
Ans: 4 h 33 min
